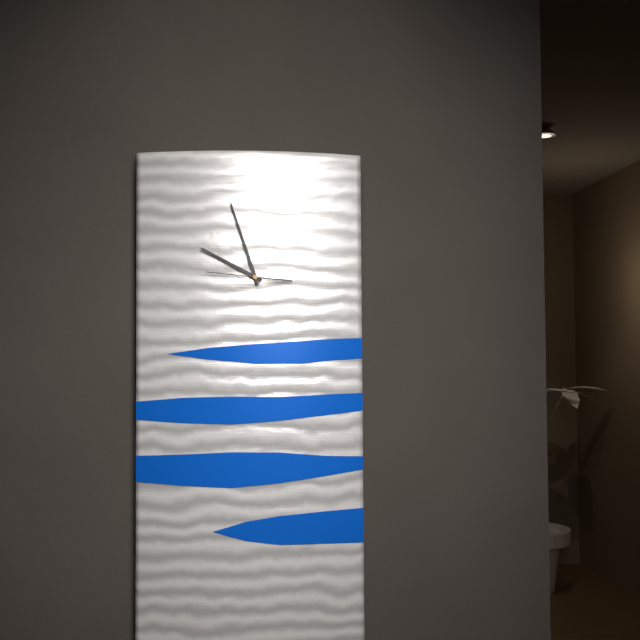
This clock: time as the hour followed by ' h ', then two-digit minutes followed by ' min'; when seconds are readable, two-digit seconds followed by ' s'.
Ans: 9 h 57 min 46 s
